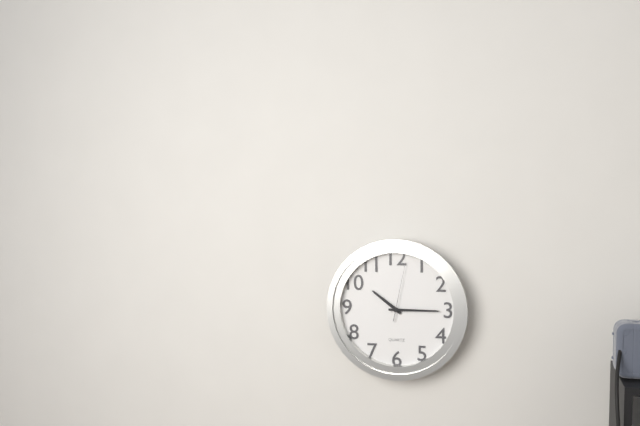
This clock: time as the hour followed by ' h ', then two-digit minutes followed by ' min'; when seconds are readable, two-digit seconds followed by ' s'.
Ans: 10 h 15 min 02 s
